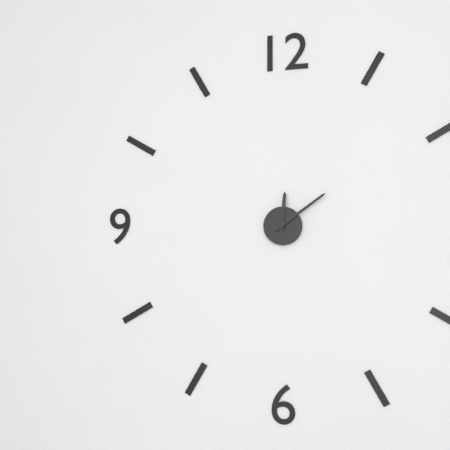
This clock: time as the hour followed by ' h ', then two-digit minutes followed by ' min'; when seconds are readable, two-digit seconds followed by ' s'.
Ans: 12 h 09 min
